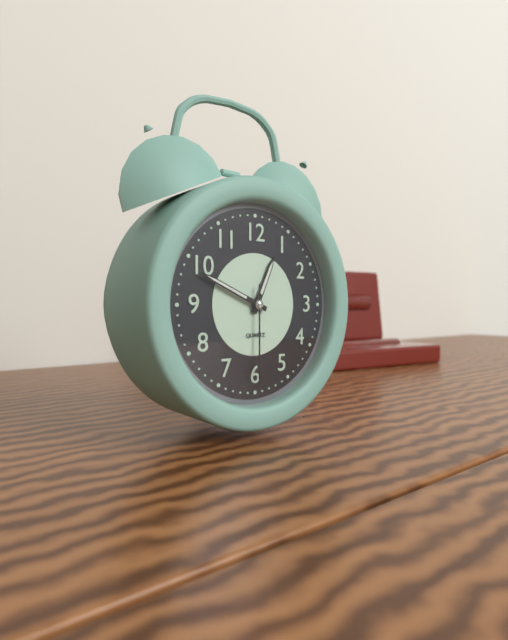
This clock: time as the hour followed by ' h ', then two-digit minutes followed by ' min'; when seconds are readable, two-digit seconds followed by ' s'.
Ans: 12 h 49 min 30 s
